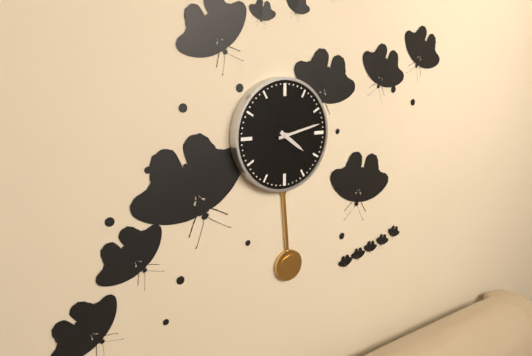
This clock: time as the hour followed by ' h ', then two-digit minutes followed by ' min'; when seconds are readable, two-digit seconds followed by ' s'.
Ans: 4 h 13 min
